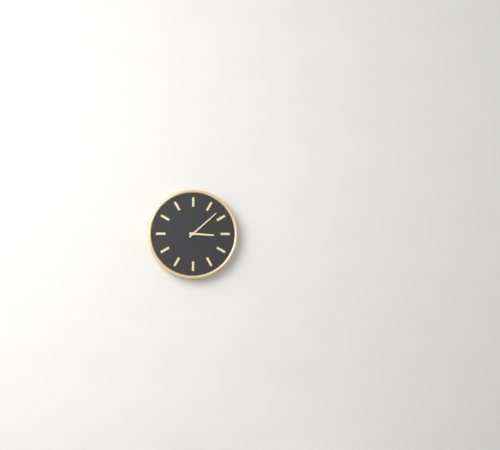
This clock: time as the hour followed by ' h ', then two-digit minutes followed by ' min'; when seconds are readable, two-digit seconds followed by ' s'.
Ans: 3 h 08 min
